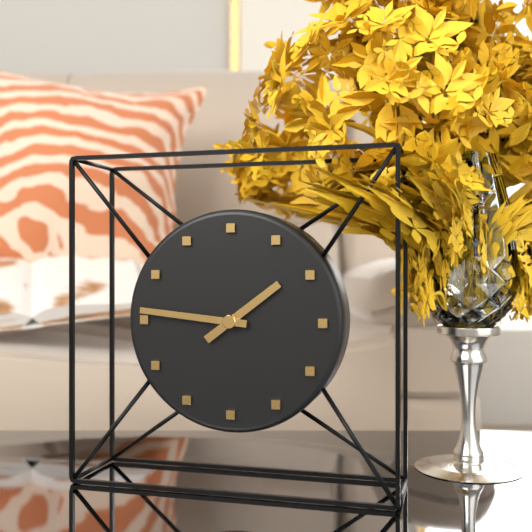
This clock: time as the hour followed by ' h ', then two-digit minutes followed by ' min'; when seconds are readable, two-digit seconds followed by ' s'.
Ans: 1 h 46 min
